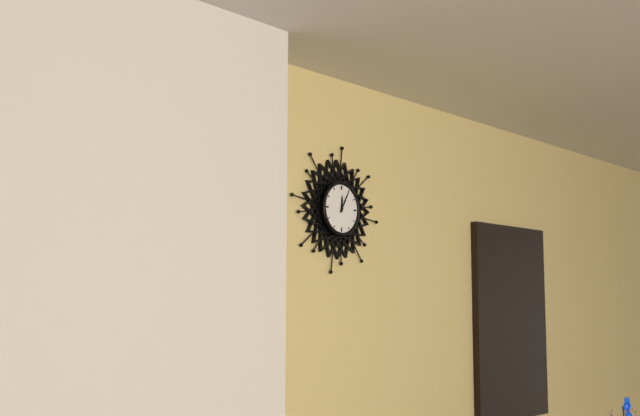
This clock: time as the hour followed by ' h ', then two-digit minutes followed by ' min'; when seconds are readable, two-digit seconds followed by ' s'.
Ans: 12 h 05 min
